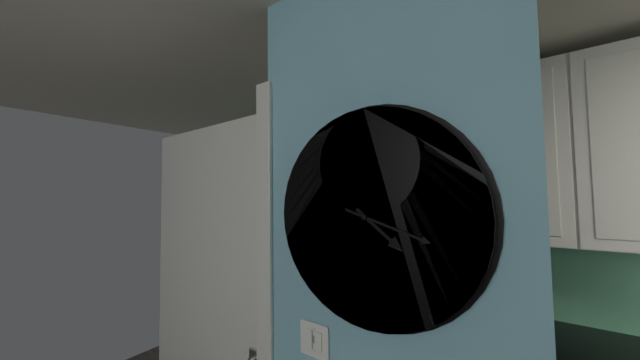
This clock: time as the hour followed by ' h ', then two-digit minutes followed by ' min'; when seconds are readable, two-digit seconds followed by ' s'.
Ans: 4 h 18 min
